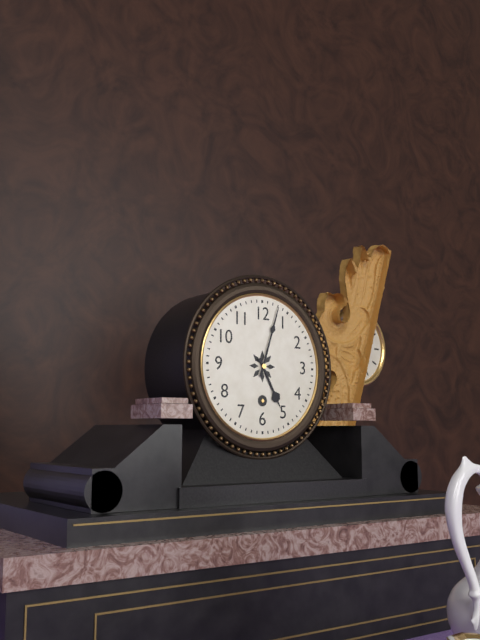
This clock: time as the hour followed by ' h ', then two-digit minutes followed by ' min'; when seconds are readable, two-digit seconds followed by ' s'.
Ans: 5 h 03 min
